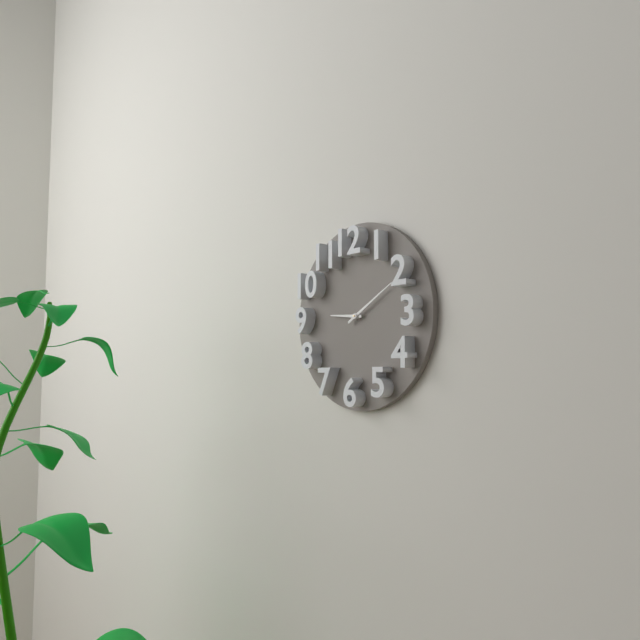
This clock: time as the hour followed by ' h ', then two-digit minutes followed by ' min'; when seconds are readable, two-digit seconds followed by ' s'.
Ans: 9 h 10 min
